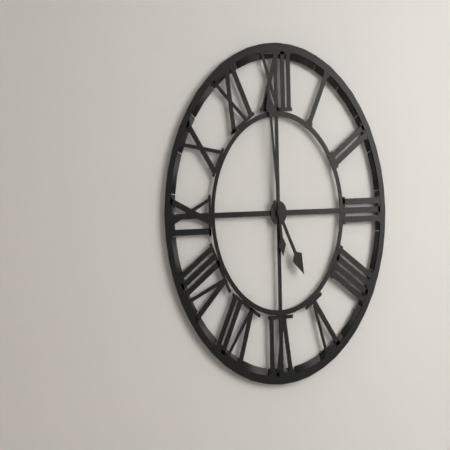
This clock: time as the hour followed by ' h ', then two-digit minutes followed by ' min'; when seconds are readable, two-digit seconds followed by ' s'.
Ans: 4 h 59 min
